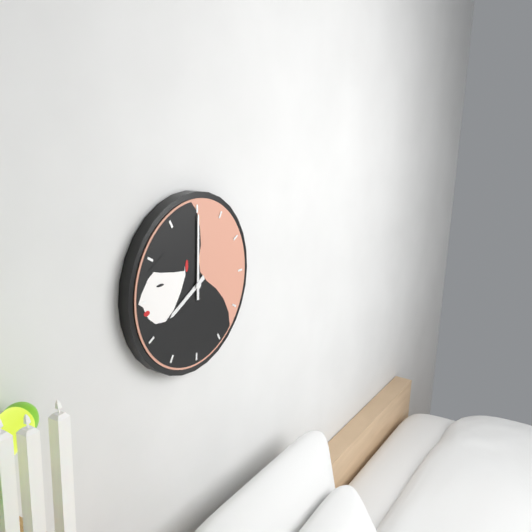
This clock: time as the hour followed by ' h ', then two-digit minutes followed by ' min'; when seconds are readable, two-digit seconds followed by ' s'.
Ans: 8 h 00 min
